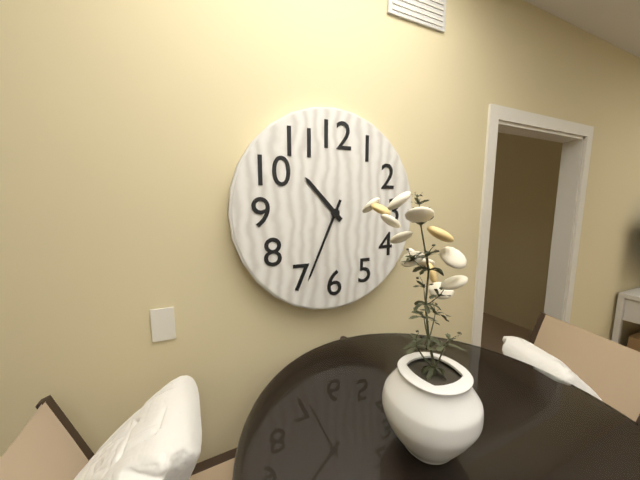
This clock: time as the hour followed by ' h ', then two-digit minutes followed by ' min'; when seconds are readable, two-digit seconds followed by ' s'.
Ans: 10 h 34 min
